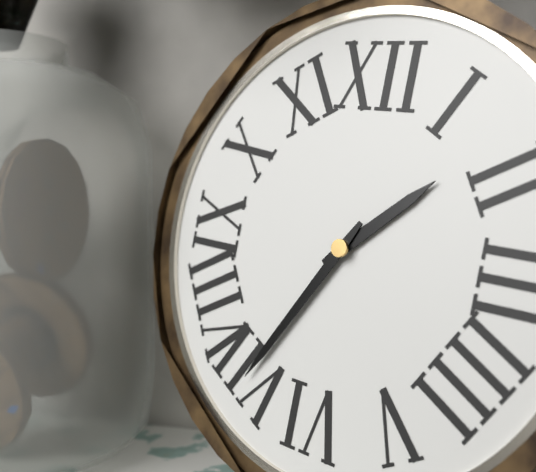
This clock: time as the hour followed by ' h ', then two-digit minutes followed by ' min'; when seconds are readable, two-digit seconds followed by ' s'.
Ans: 1 h 35 min
